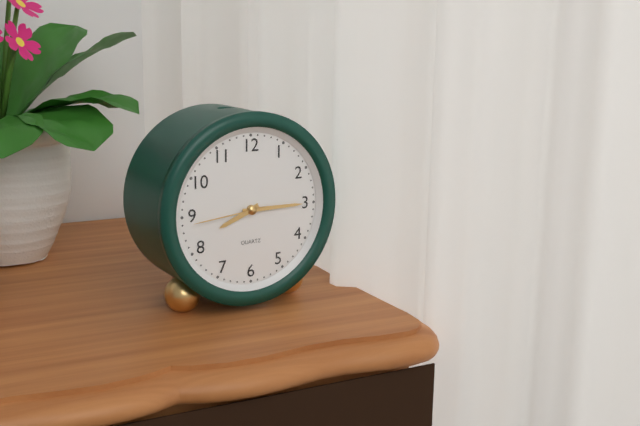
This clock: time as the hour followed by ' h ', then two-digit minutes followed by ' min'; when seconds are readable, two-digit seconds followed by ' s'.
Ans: 8 h 15 min 44 s
